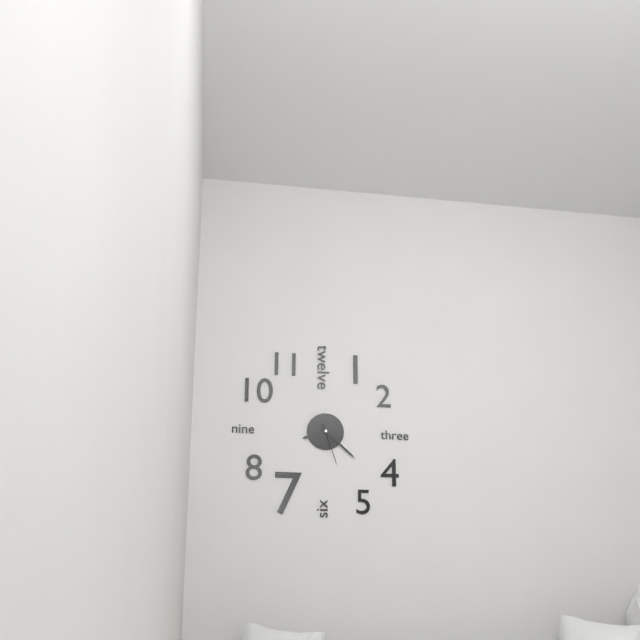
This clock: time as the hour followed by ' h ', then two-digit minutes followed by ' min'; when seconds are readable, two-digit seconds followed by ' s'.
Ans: 8 h 22 min
